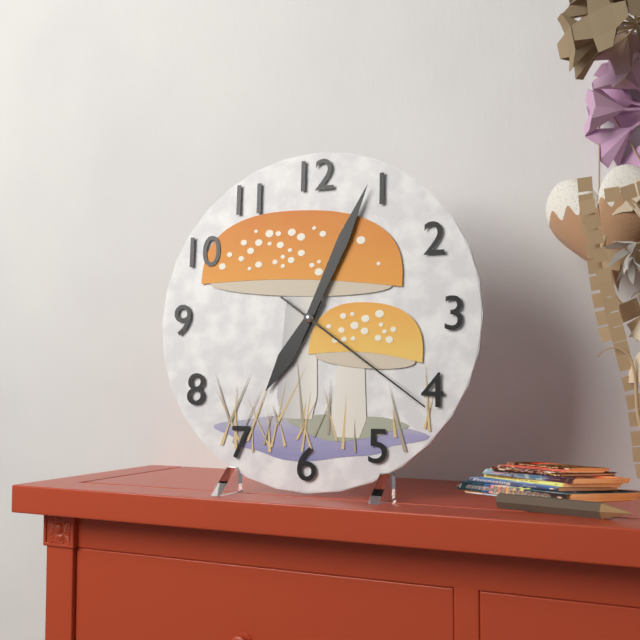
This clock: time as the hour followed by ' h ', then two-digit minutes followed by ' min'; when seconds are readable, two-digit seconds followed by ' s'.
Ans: 7 h 04 min 21 s
